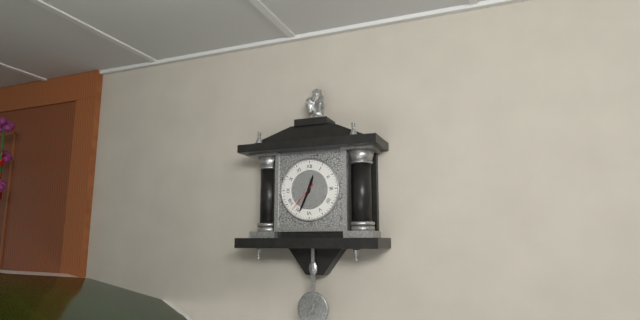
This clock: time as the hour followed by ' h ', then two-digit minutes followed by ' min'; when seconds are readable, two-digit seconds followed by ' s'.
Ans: 12 h 34 min
